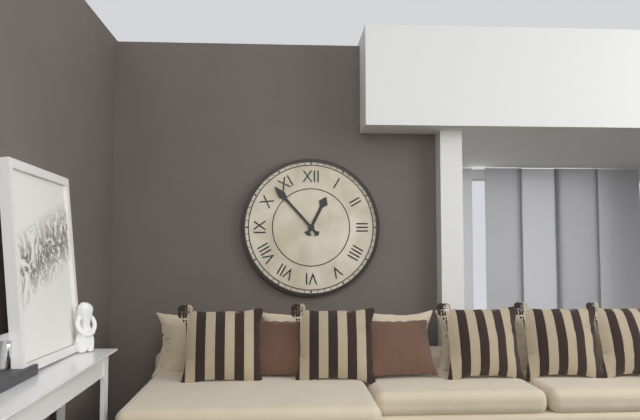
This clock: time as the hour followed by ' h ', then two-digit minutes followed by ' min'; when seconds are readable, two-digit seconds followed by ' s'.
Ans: 12 h 53 min
